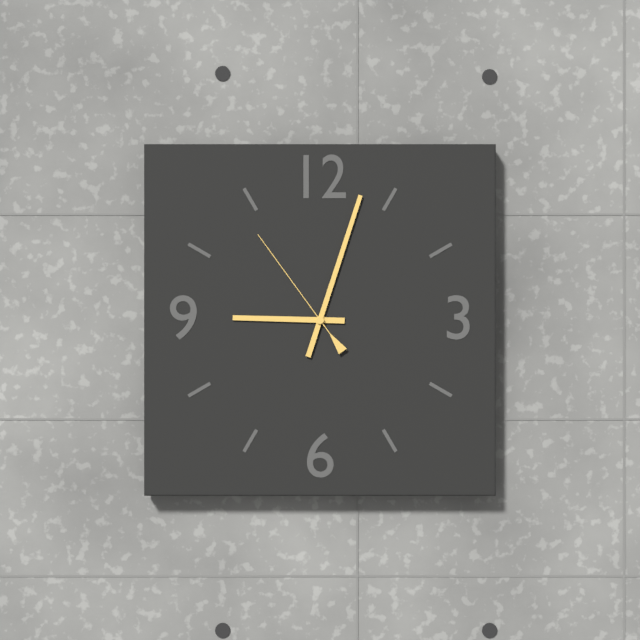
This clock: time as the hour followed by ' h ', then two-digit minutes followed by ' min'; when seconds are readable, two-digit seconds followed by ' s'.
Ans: 9 h 03 min 54 s
